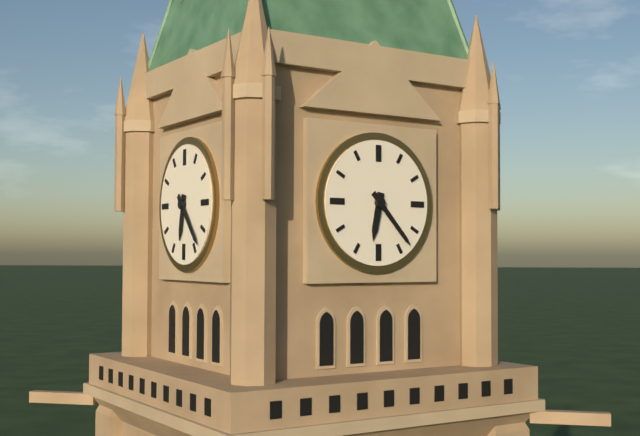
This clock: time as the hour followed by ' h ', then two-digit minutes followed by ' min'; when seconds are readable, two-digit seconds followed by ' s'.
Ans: 6 h 23 min
